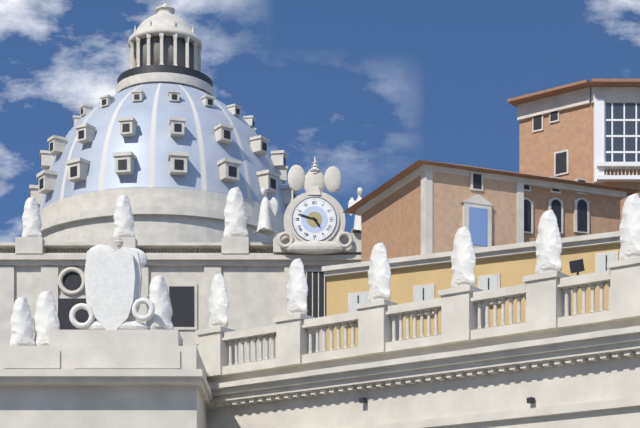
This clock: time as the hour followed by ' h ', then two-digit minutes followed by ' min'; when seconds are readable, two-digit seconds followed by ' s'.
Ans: 4 h 48 min
